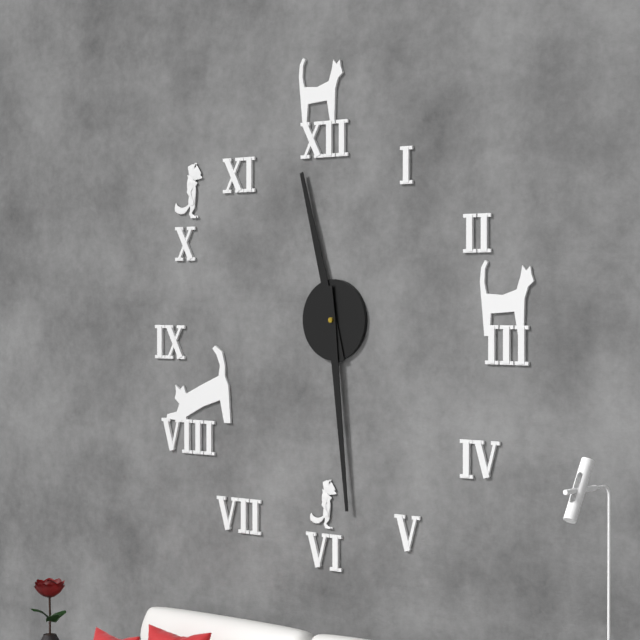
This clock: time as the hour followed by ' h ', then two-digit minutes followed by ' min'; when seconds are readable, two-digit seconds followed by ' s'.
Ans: 11 h 29 min
